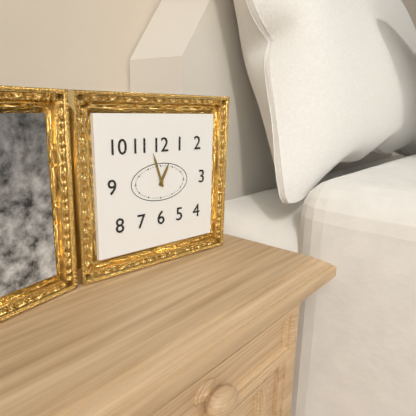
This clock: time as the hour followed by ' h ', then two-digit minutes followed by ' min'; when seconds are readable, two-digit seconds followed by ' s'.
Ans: 12 h 57 min
